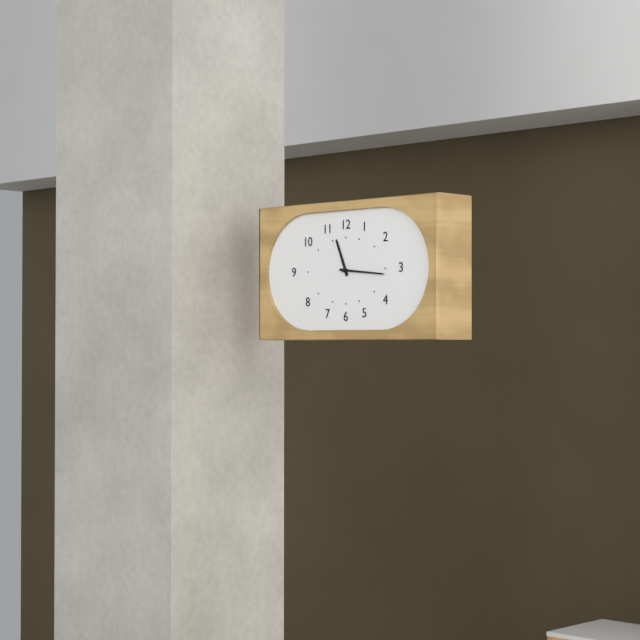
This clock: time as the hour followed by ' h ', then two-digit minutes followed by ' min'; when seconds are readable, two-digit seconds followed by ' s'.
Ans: 11 h 16 min
